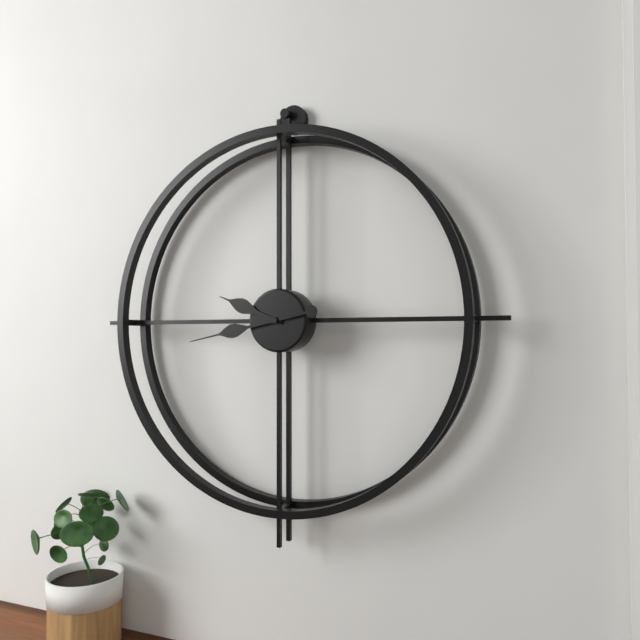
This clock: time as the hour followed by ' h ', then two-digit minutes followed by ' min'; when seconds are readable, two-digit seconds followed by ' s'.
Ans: 9 h 43 min
